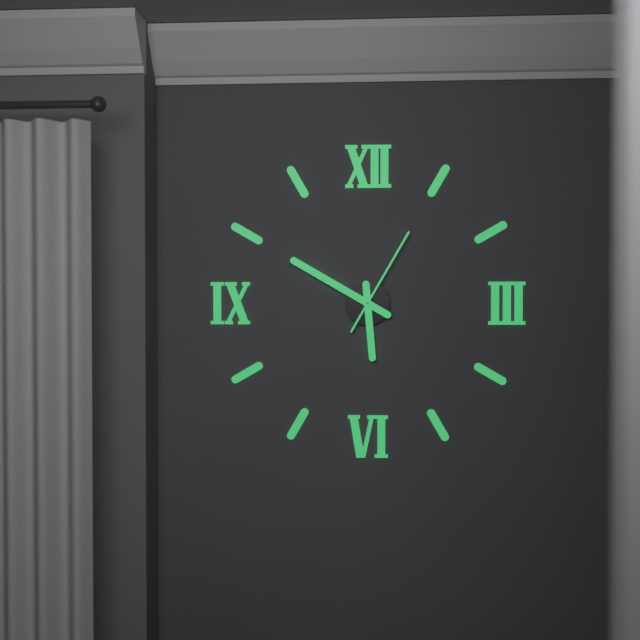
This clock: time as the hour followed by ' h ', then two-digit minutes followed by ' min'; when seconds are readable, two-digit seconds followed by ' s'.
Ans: 5 h 50 min 05 s
